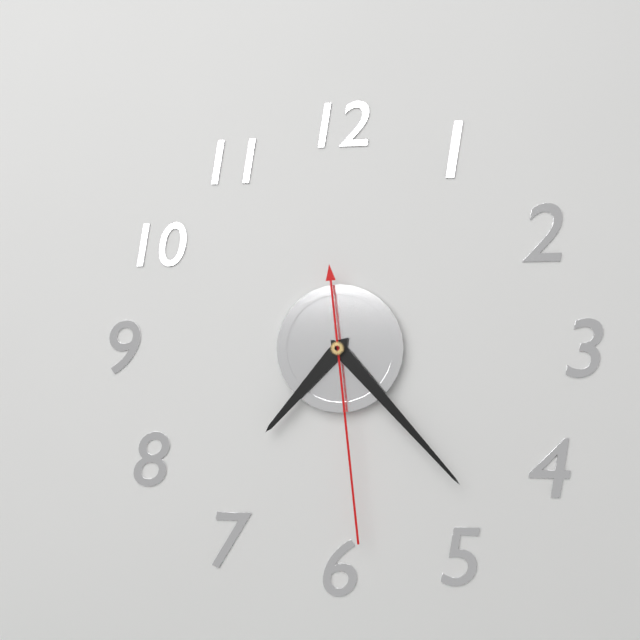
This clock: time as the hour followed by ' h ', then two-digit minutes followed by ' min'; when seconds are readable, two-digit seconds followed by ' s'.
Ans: 7 h 23 min 29 s
